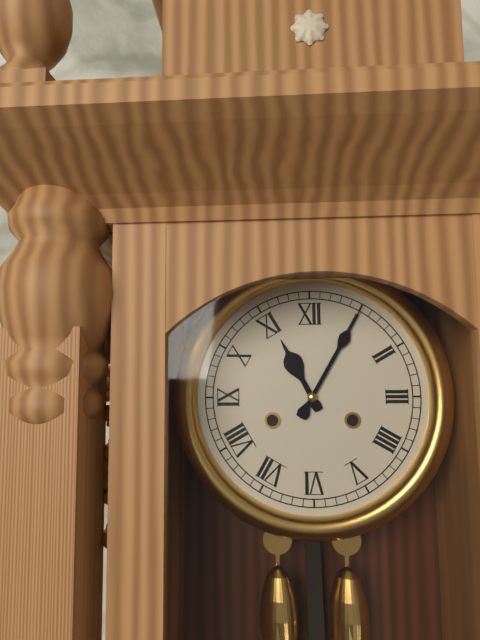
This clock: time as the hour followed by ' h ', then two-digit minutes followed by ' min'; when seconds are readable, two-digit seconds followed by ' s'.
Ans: 11 h 05 min
